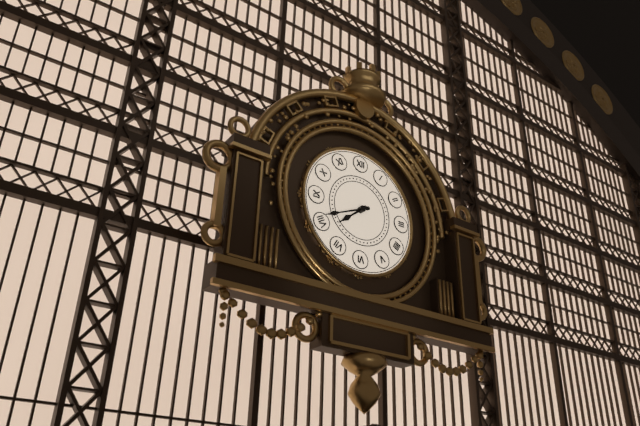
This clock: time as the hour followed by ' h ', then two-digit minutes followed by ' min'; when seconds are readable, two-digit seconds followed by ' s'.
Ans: 7 h 41 min
